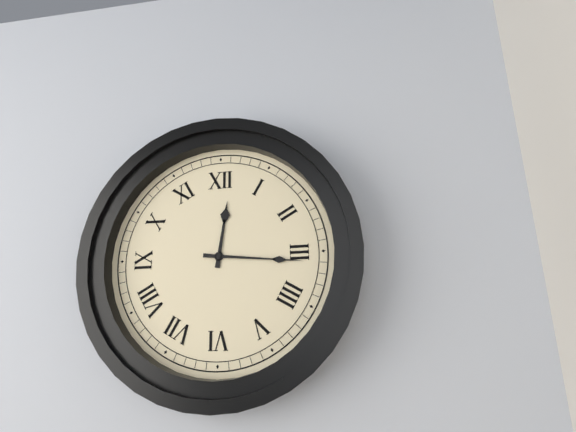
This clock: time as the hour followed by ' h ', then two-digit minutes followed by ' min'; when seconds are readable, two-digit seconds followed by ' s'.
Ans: 12 h 16 min
